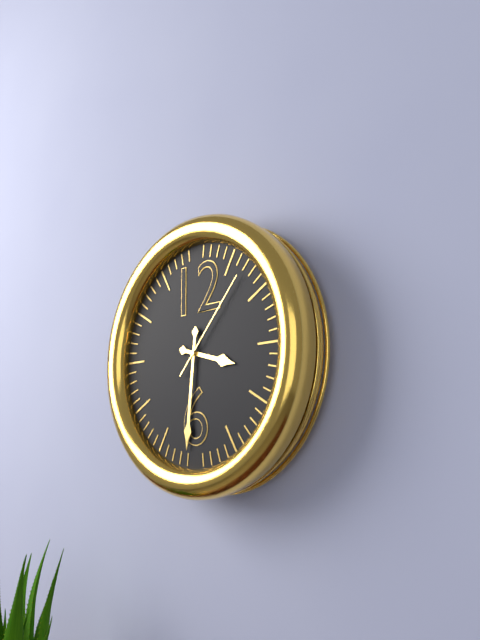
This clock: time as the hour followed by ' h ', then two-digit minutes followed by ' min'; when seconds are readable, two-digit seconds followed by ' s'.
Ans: 3 h 31 min 07 s
